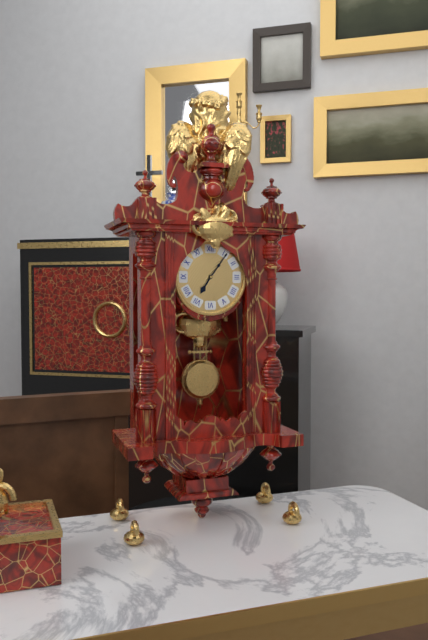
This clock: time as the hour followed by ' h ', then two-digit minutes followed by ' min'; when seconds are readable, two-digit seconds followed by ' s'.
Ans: 7 h 06 min
